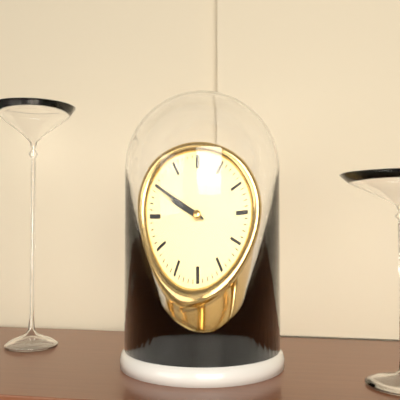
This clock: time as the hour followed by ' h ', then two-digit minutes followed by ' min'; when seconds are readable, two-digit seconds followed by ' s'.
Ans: 9 h 50 min
